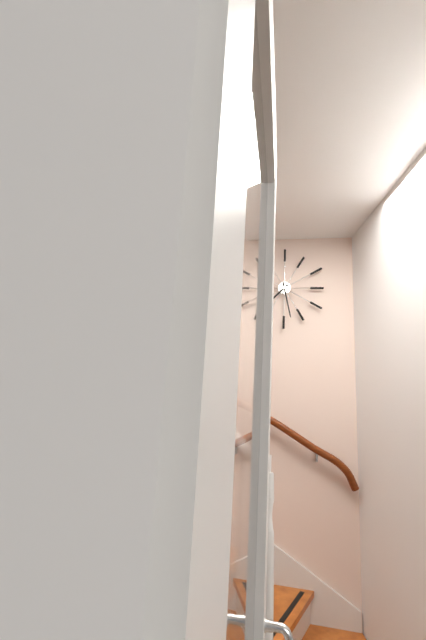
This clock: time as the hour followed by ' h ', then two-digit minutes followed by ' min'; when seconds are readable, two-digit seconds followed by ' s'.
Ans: 7 h 28 min
